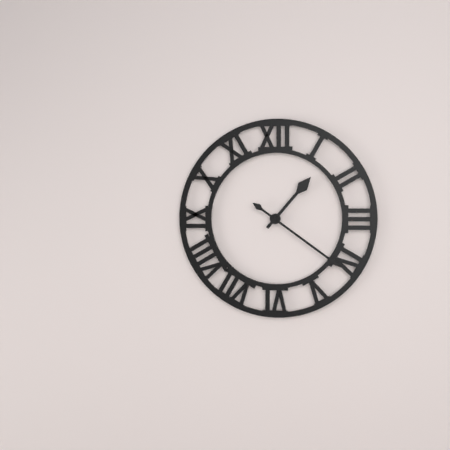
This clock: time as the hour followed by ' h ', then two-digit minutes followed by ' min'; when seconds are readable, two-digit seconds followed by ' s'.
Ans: 1 h 21 min
